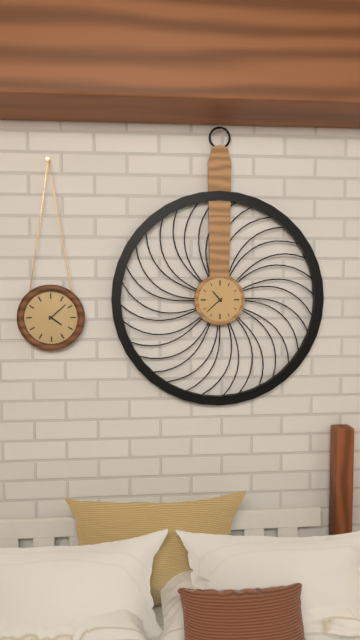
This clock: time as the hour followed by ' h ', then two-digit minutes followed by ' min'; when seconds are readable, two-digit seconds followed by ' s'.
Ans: 10 h 38 min
